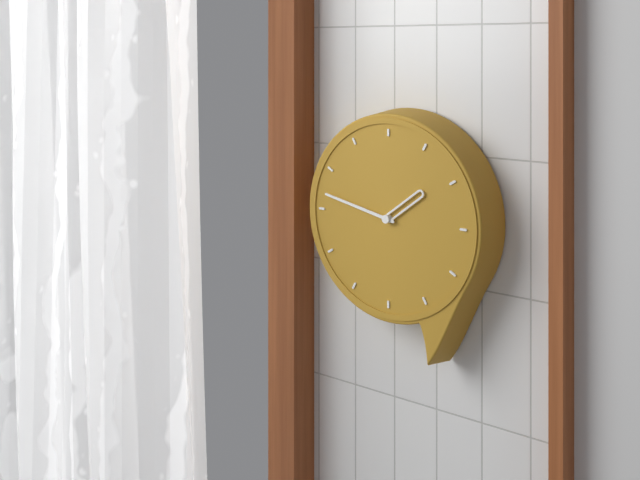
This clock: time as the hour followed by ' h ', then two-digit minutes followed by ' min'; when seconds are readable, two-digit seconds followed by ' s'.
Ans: 1 h 47 min
